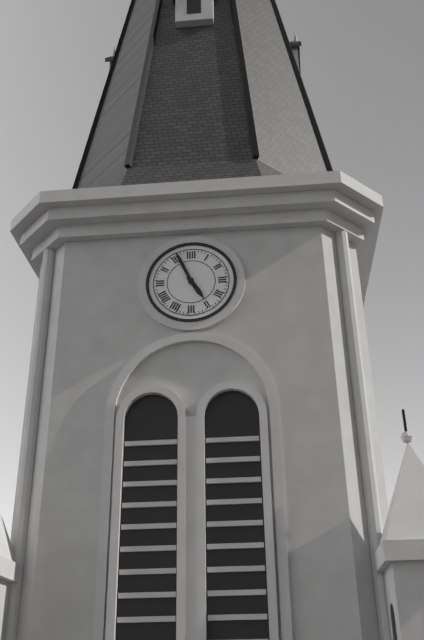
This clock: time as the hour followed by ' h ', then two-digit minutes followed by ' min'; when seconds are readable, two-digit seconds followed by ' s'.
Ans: 4 h 56 min
